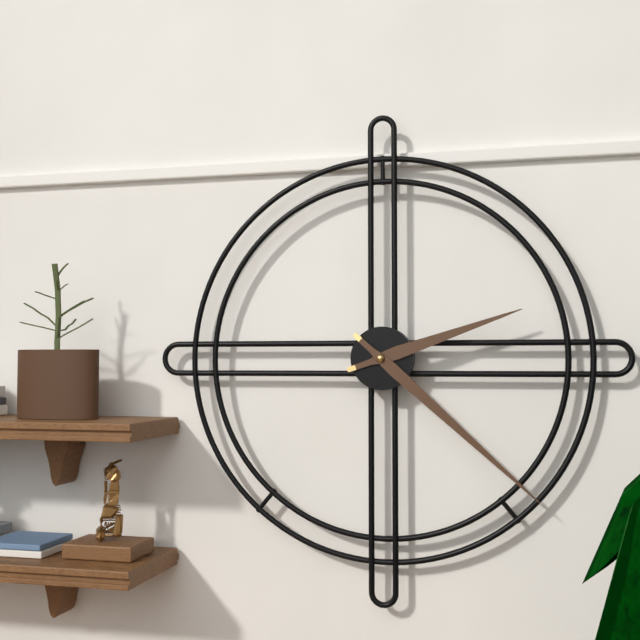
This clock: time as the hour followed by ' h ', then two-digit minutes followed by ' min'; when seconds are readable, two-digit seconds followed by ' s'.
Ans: 2 h 22 min
